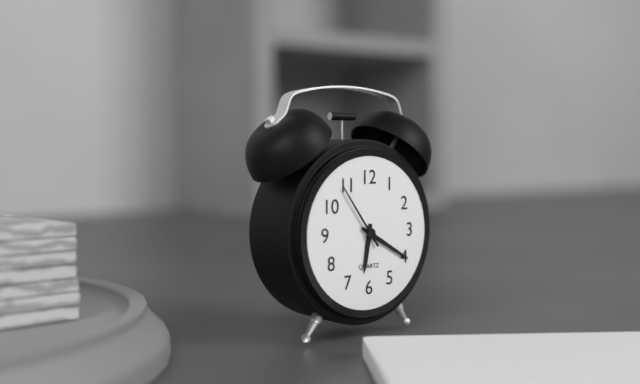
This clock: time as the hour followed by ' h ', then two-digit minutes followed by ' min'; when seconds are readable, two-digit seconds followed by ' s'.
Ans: 6 h 20 min 54 s
